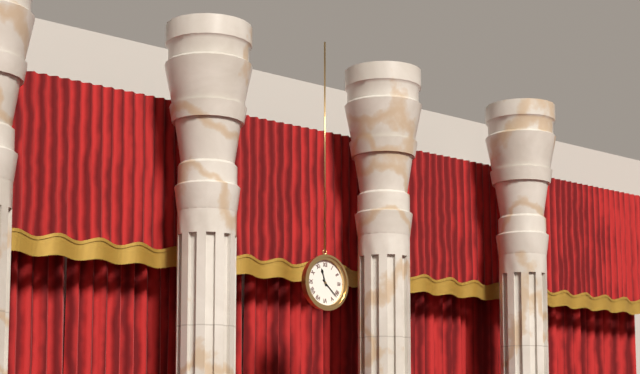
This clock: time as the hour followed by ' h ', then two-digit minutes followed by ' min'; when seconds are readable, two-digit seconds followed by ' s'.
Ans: 11 h 22 min
